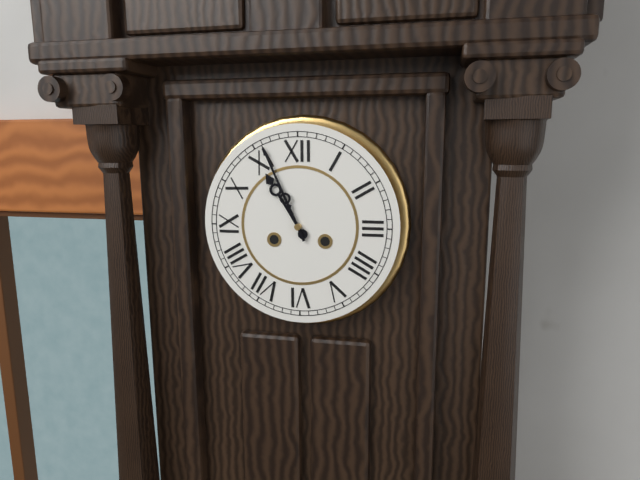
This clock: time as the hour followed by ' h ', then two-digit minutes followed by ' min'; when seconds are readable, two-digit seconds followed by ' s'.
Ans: 10 h 56 min
